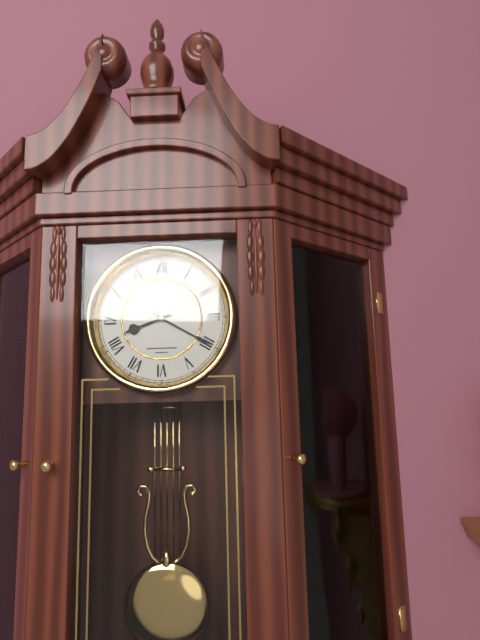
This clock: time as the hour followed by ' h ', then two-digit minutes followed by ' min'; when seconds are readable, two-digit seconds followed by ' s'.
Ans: 8 h 20 min
